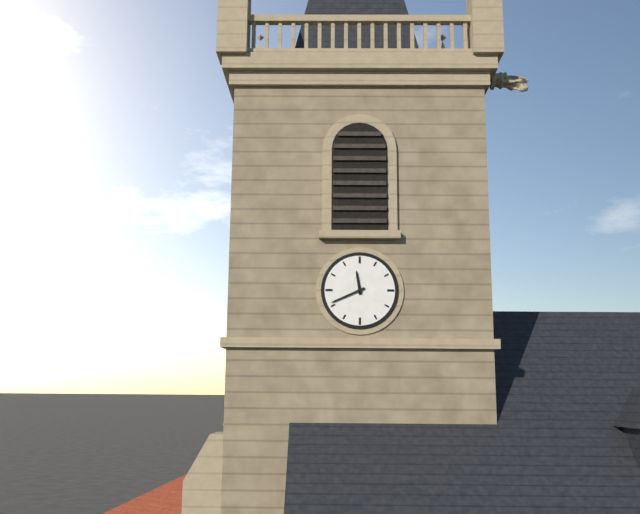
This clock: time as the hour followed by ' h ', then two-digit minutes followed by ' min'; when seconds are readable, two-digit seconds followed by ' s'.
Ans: 11 h 41 min
